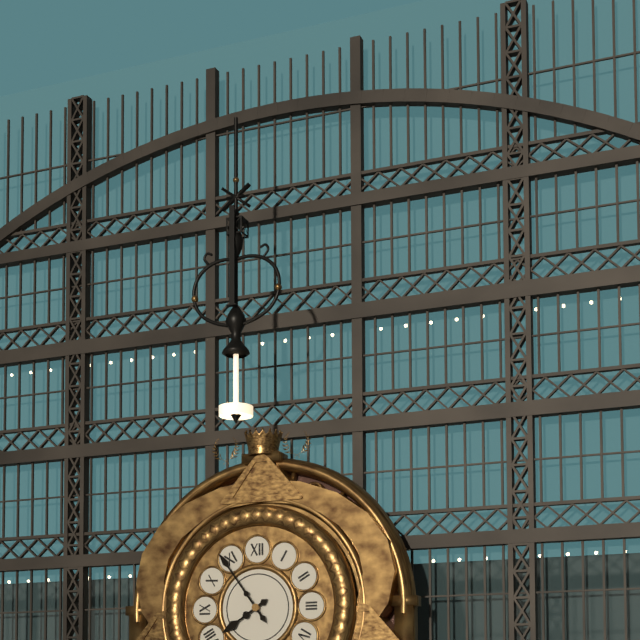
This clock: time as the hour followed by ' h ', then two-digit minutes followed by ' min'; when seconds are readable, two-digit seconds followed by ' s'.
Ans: 7 h 54 min
